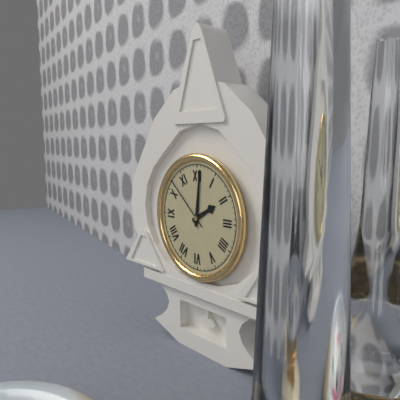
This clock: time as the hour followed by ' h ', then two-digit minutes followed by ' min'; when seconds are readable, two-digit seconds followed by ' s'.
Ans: 2 h 01 min 52 s
